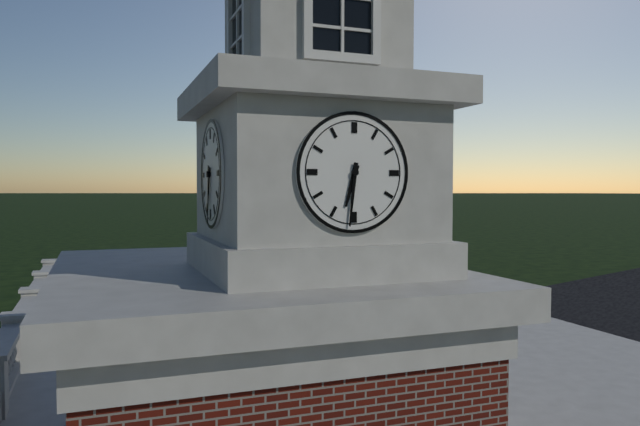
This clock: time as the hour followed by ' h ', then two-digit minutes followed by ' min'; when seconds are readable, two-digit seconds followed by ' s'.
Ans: 6 h 31 min
